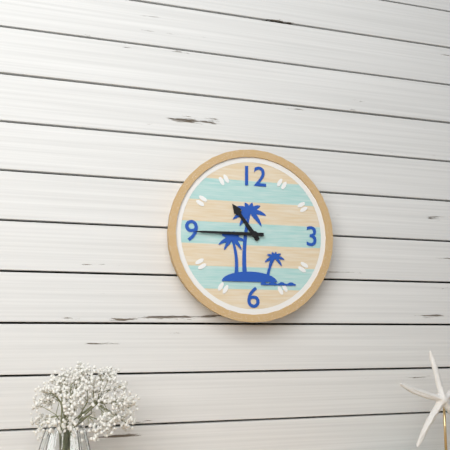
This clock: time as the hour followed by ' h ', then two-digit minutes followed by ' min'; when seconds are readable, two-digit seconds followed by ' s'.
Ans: 10 h 45 min
